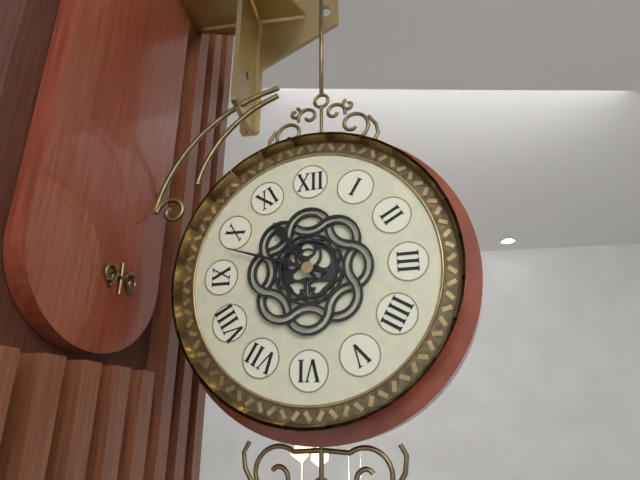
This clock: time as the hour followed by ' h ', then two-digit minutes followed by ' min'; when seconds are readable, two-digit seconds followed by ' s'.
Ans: 10 h 48 min
